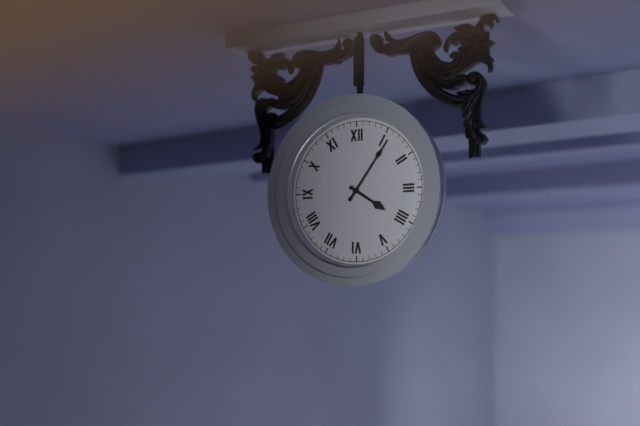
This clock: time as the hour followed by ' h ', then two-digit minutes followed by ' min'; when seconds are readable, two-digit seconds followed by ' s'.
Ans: 4 h 06 min
